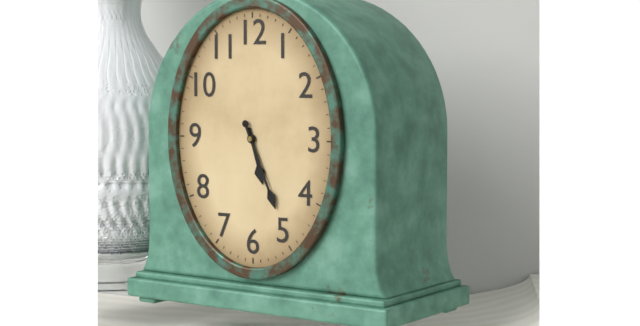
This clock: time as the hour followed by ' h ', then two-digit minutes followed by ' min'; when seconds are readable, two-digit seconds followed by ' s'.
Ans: 5 h 26 min
